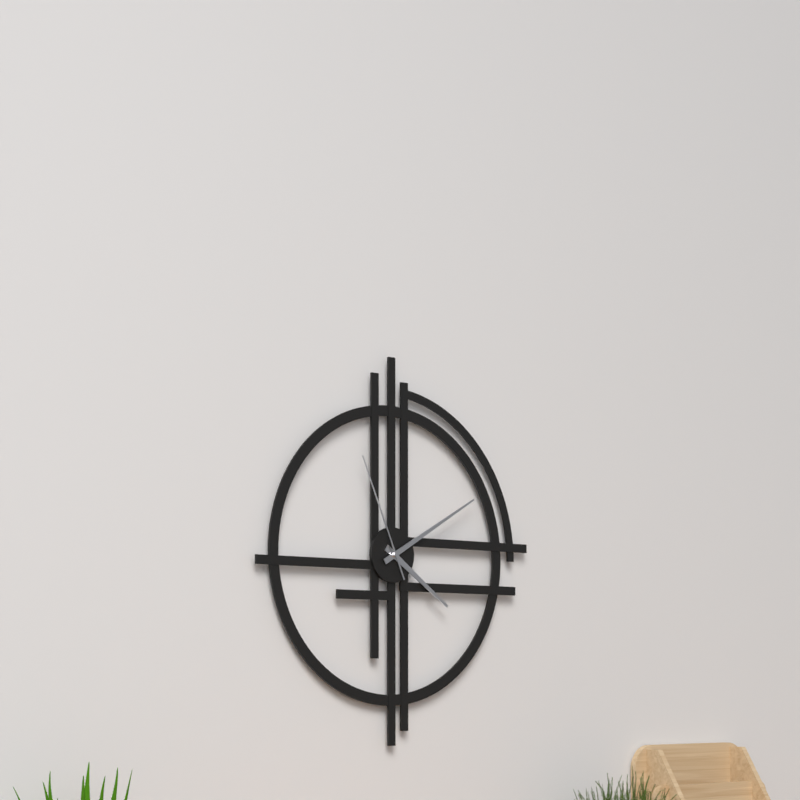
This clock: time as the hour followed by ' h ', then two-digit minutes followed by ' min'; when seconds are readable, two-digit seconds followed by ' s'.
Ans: 4 h 10 min 56 s
